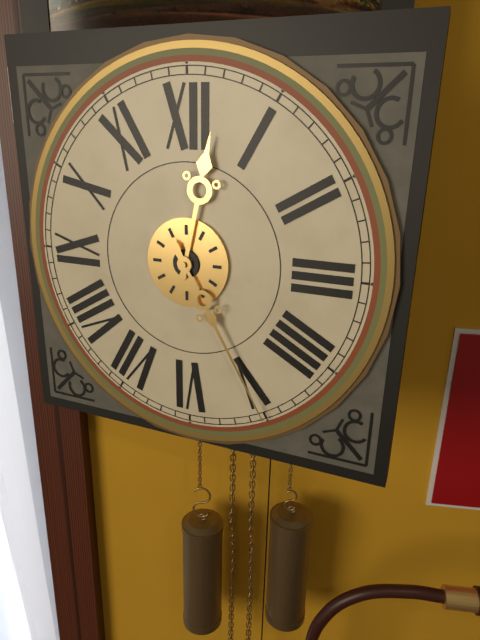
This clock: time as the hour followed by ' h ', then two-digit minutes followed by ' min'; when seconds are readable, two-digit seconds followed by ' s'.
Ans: 12 h 25 min
